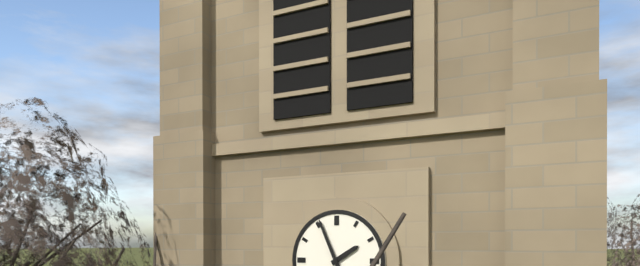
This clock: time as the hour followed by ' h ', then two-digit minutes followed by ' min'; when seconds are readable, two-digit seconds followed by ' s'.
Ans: 1 h 56 min
